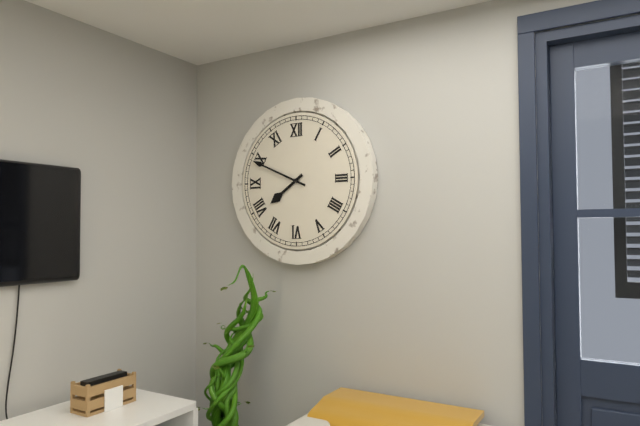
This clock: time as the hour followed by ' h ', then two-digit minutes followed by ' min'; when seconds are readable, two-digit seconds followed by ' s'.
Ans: 7 h 49 min
